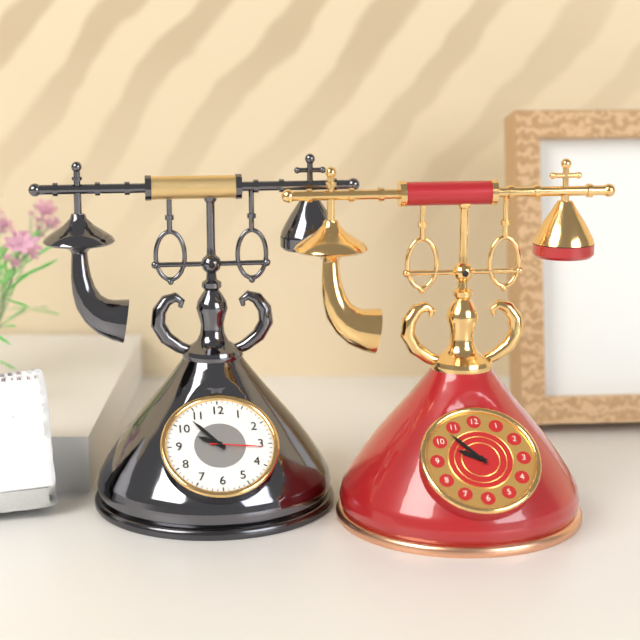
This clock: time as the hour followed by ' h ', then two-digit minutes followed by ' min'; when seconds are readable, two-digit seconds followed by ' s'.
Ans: 9 h 53 min 16 s
